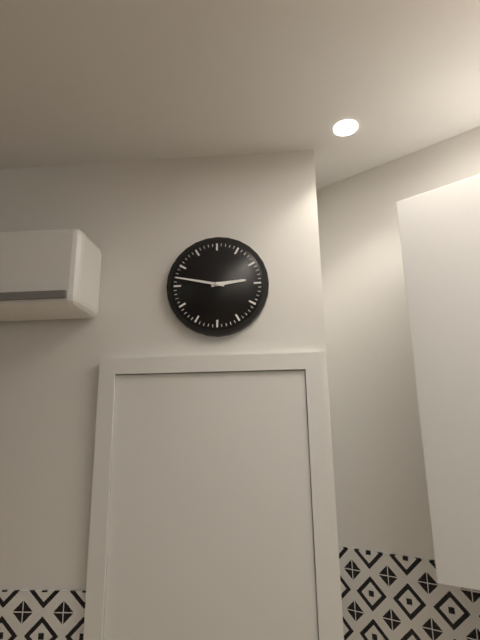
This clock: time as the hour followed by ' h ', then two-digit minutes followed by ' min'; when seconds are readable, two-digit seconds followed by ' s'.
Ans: 2 h 47 min
